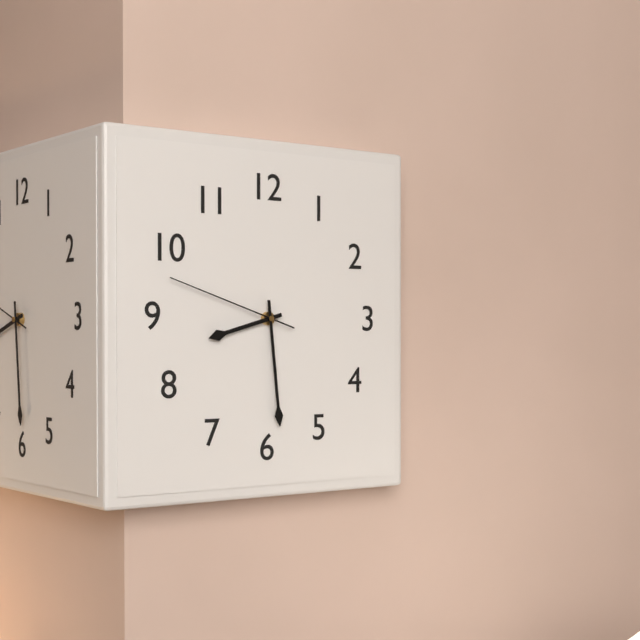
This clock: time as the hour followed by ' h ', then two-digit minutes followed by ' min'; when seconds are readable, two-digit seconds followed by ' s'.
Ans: 8 h 29 min 48 s
